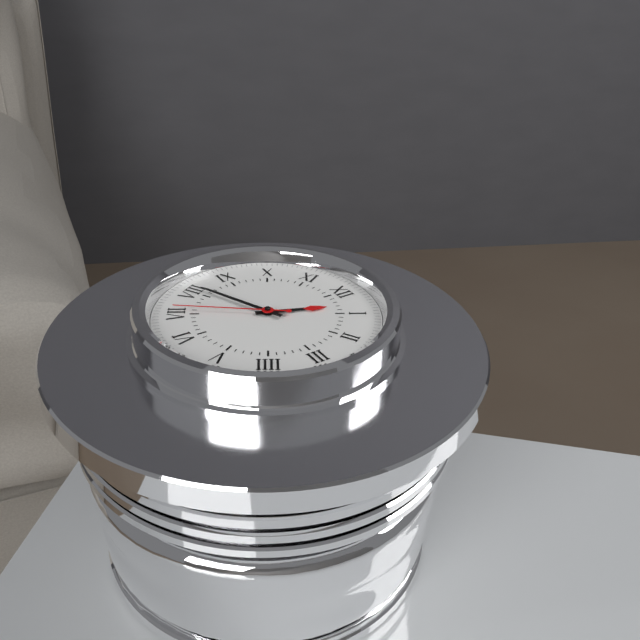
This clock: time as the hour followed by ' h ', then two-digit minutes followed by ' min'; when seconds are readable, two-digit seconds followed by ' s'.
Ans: 12 h 41 min 36 s
